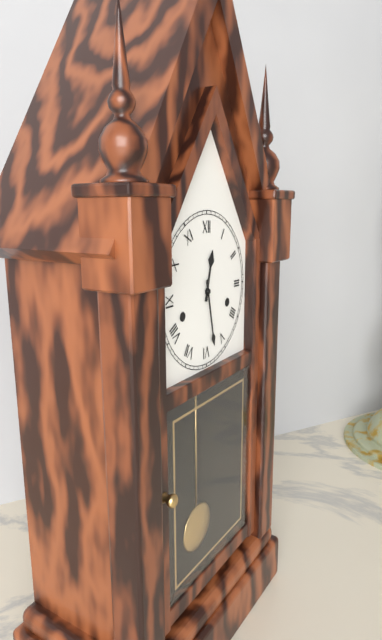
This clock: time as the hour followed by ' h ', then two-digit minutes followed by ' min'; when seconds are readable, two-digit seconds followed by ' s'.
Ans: 12 h 28 min
